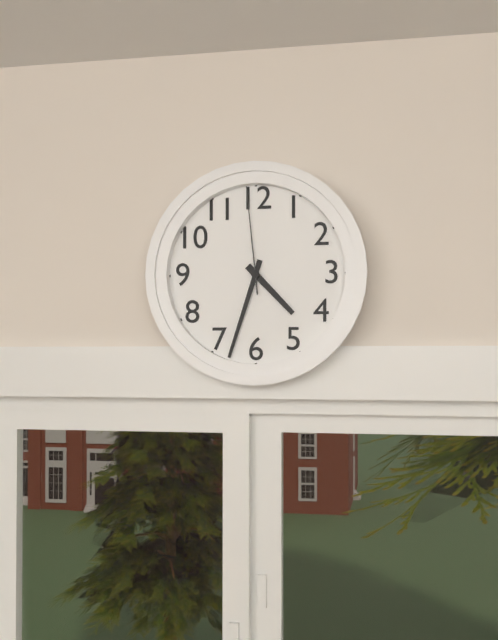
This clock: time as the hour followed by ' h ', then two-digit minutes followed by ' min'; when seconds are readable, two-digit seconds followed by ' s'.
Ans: 4 h 33 min 59 s
